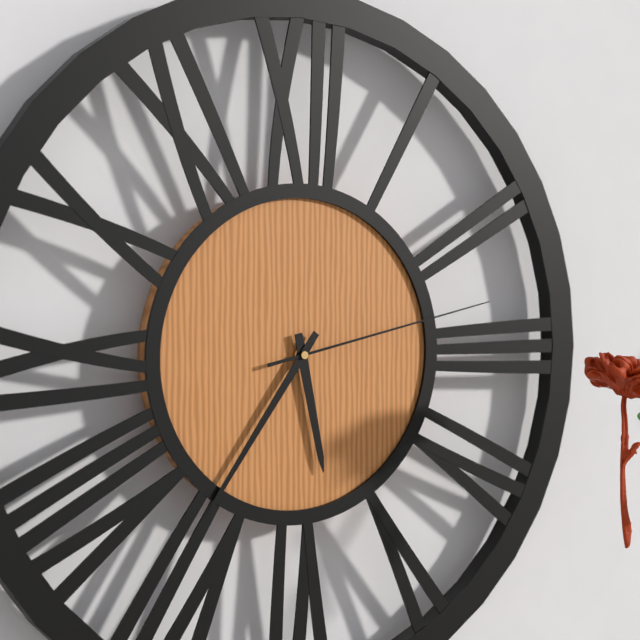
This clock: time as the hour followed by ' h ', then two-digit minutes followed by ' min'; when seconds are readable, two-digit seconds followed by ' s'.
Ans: 5 h 36 min 13 s
